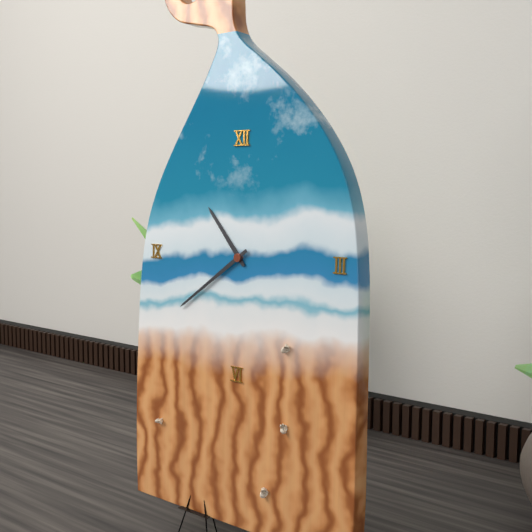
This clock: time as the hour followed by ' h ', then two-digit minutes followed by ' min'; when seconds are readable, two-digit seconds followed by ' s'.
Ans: 10 h 39 min
